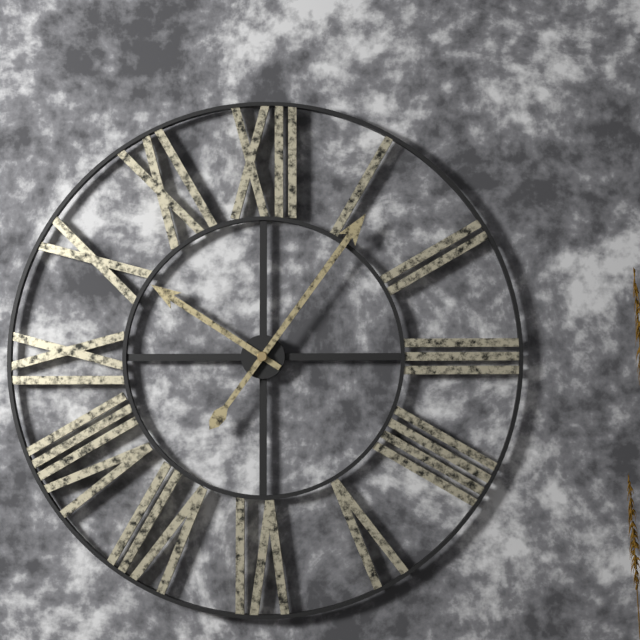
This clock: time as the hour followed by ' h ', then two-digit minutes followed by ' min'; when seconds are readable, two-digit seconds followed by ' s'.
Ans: 10 h 06 min
